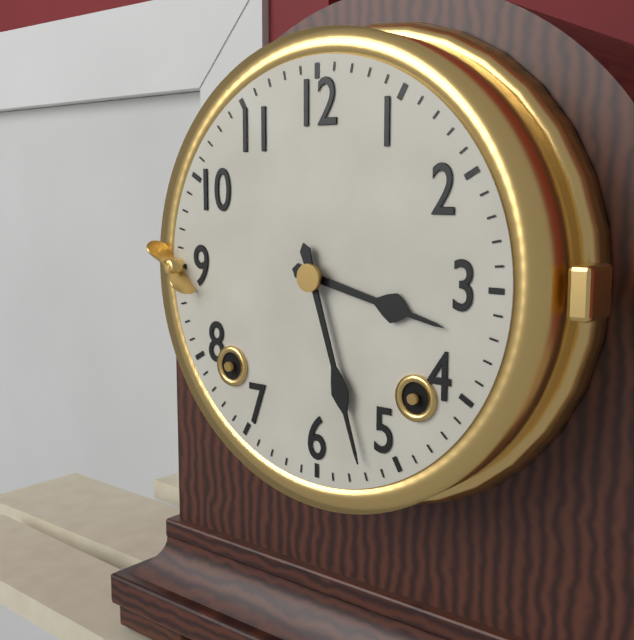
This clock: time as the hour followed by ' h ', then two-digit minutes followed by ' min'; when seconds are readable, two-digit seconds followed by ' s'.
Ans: 3 h 27 min
